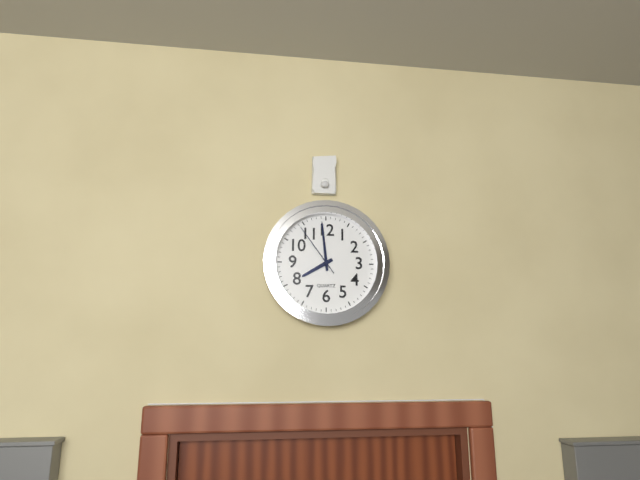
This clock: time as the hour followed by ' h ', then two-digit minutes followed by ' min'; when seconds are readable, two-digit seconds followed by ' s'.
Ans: 7 h 59 min 54 s
